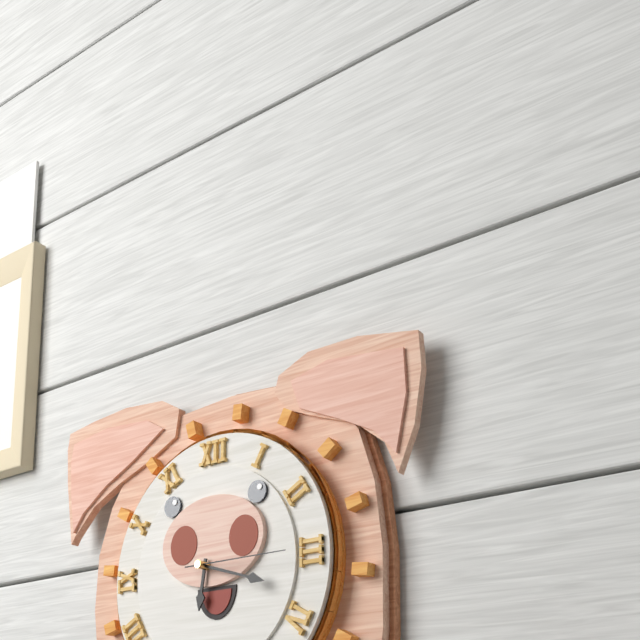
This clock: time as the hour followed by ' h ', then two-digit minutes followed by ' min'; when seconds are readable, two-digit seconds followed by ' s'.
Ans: 6 h 18 min 15 s
